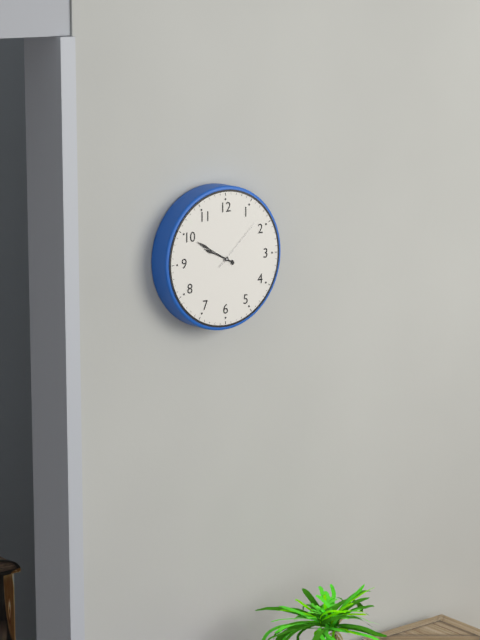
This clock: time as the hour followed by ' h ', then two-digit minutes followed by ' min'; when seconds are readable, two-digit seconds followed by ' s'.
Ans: 9 h 50 min 08 s
